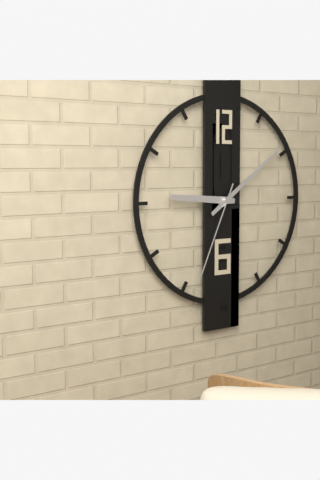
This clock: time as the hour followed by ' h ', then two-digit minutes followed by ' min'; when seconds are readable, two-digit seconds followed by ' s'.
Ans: 9 h 09 min 34 s
